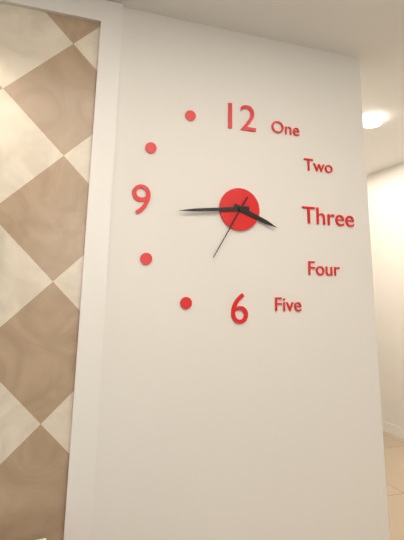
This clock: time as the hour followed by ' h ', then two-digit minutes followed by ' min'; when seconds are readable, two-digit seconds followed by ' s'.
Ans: 3 h 44 min 35 s
